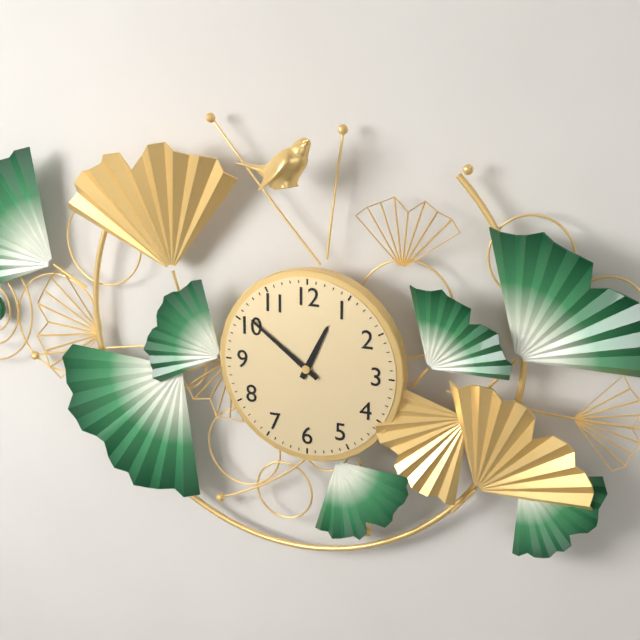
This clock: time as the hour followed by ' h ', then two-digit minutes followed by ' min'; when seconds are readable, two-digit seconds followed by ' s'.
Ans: 12 h 51 min
